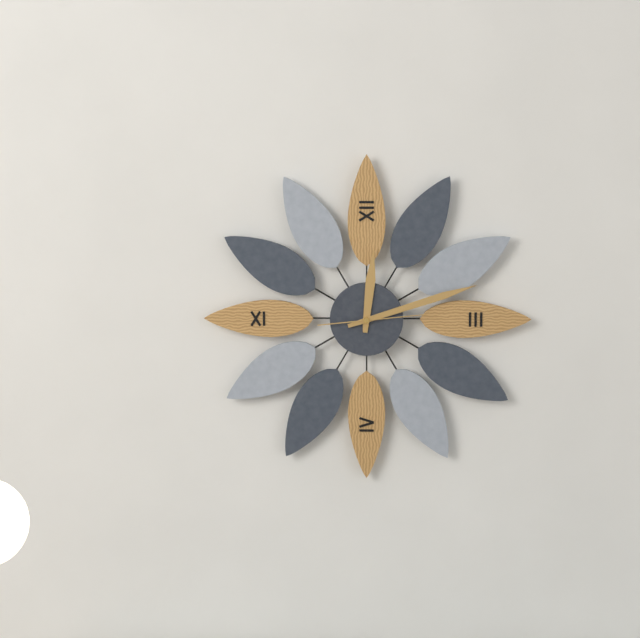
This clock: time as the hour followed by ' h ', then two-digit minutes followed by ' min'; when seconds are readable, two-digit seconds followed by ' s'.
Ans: 12 h 12 min 14 s
